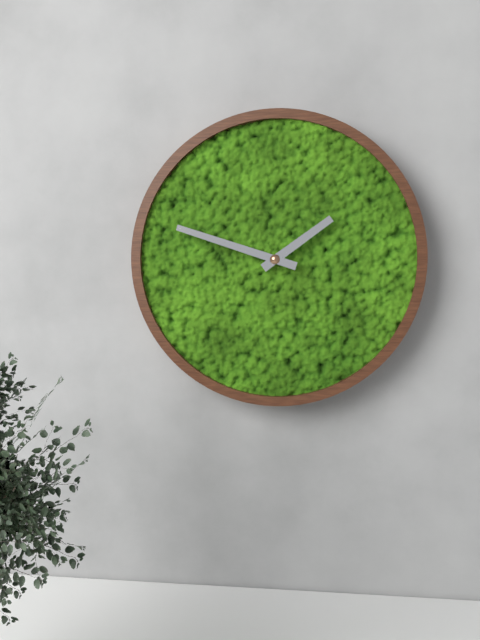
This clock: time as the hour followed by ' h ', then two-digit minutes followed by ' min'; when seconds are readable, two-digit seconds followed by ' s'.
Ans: 1 h 48 min
